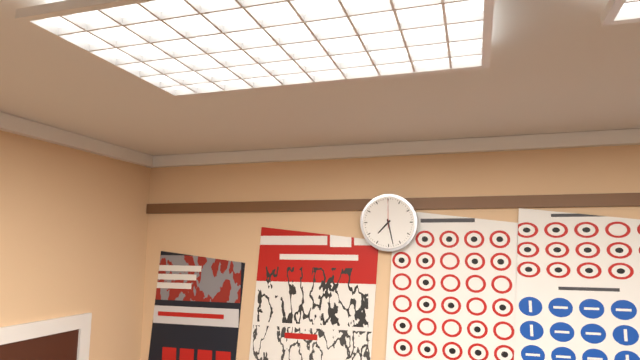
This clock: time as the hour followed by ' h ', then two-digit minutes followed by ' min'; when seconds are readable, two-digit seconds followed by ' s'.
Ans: 7 h 28 min
